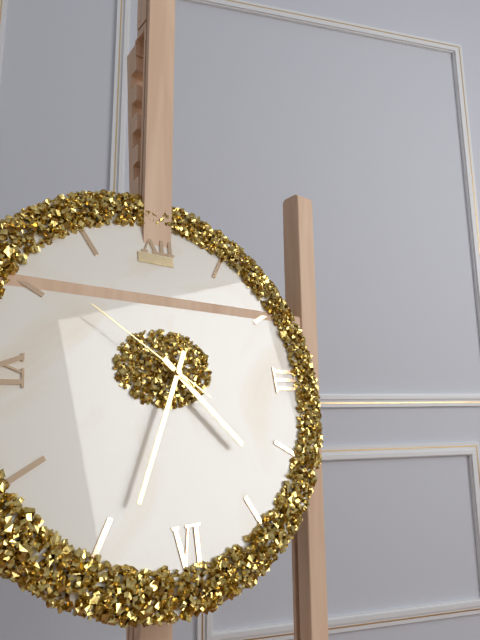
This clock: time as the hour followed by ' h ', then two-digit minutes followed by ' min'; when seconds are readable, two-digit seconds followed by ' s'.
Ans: 4 h 34 min 51 s
